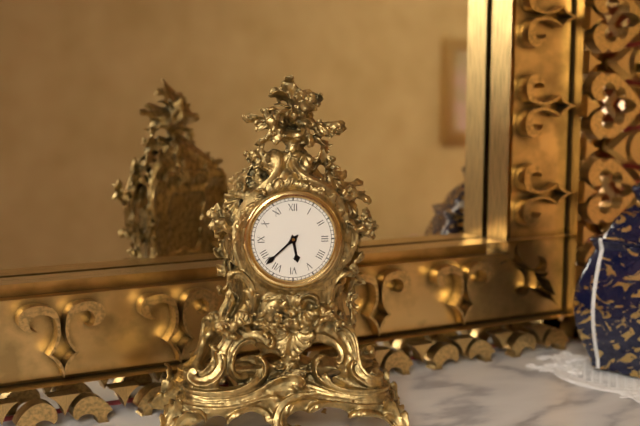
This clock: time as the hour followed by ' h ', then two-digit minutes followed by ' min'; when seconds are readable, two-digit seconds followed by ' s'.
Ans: 5 h 38 min
